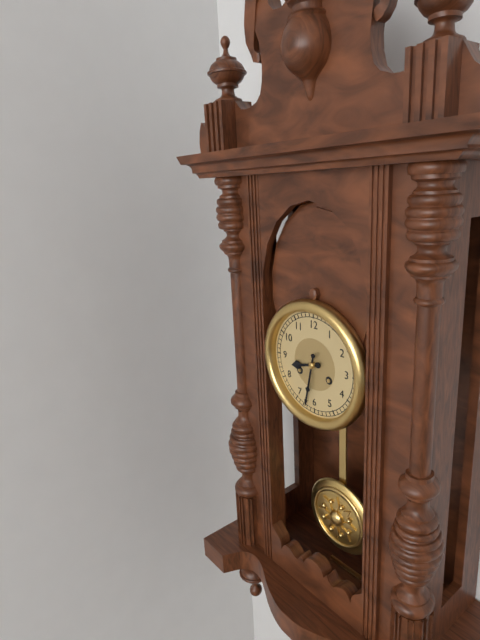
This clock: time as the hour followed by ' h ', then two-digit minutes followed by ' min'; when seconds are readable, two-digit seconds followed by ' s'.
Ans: 8 h 32 min
